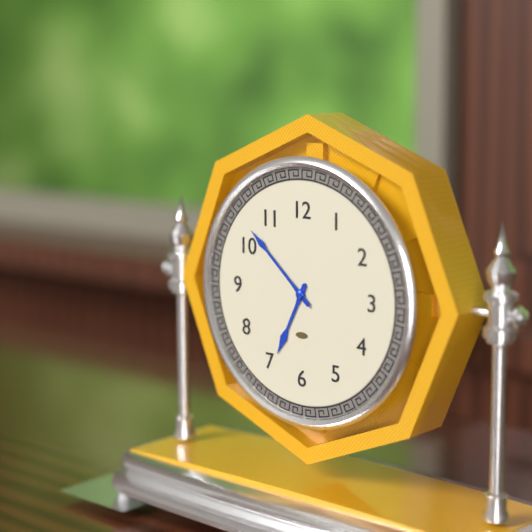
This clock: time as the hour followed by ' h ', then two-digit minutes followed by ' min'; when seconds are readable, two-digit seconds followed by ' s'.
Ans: 6 h 52 min
